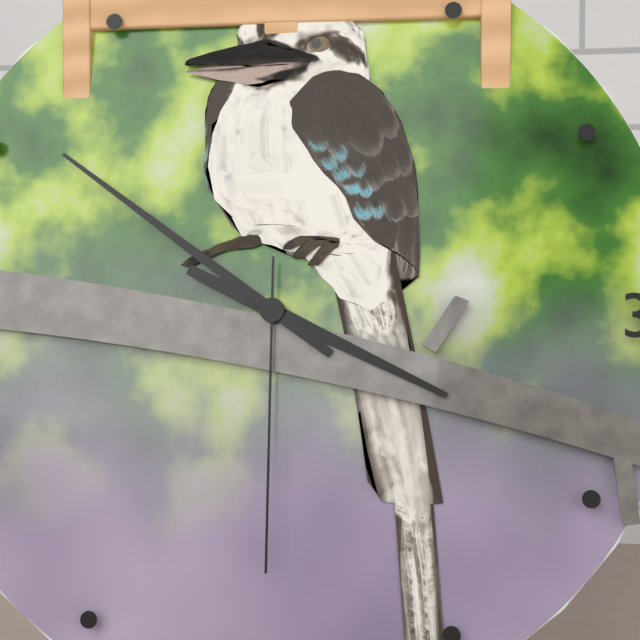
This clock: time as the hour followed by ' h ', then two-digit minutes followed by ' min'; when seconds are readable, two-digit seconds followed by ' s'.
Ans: 3 h 51 min 30 s
